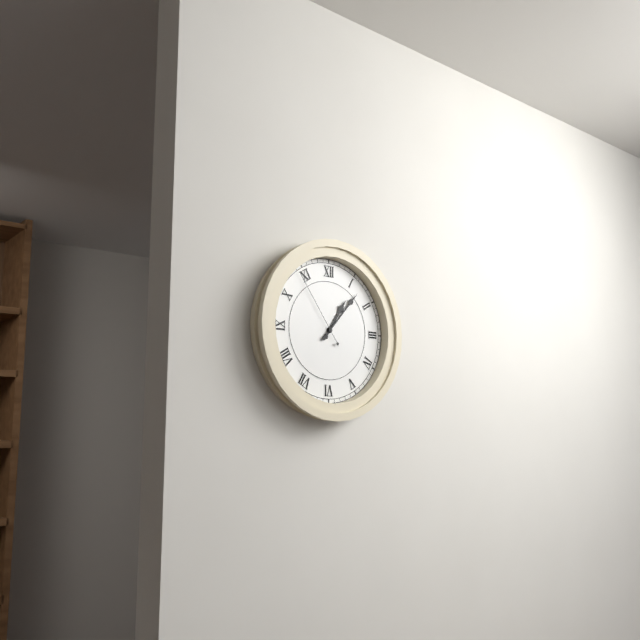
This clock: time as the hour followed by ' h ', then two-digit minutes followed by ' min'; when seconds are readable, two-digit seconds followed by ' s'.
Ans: 1 h 07 min 54 s
